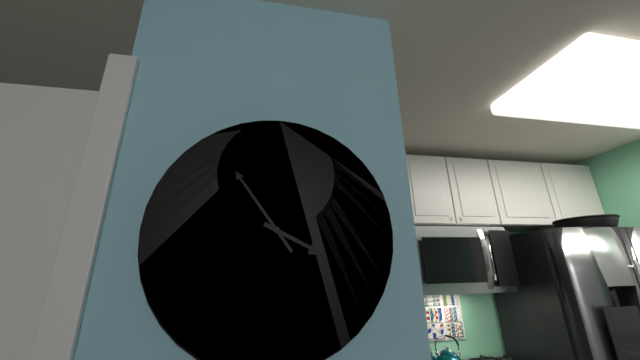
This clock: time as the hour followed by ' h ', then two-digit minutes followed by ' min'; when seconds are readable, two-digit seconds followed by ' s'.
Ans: 3 h 54 min
